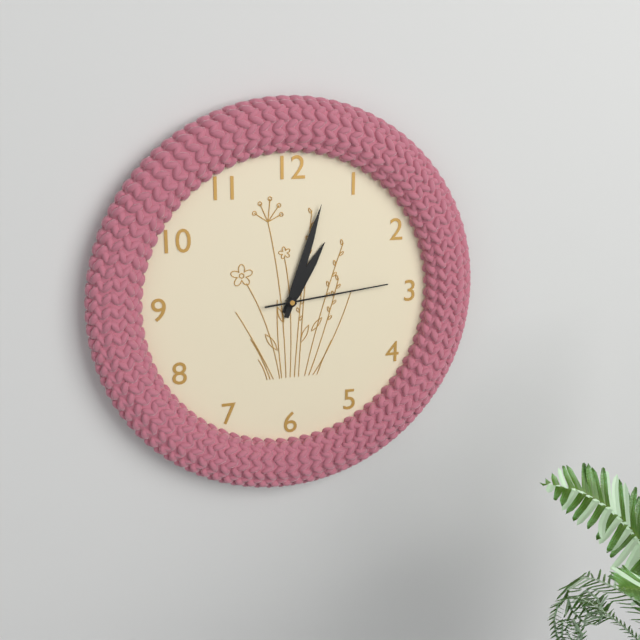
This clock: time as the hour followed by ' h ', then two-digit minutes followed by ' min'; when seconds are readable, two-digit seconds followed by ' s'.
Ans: 1 h 03 min 14 s
